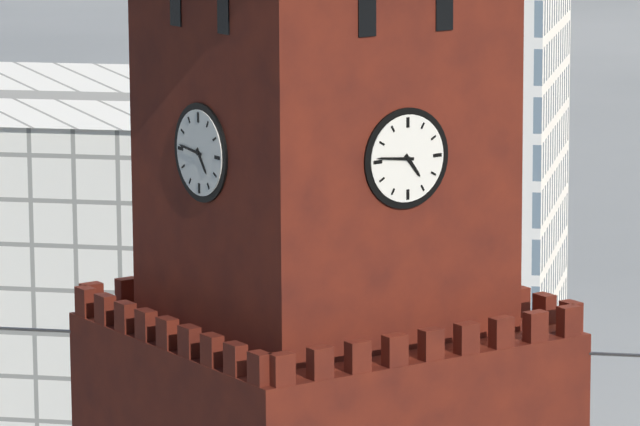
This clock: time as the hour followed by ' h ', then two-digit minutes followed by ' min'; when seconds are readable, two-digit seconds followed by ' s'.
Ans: 4 h 46 min
